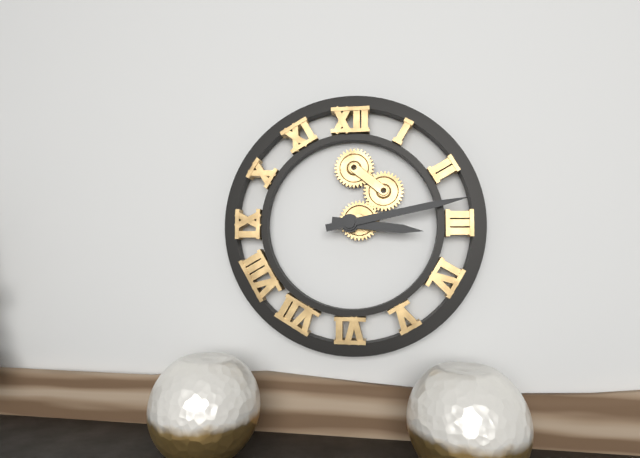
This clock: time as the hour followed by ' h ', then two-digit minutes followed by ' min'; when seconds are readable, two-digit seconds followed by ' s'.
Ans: 3 h 13 min
